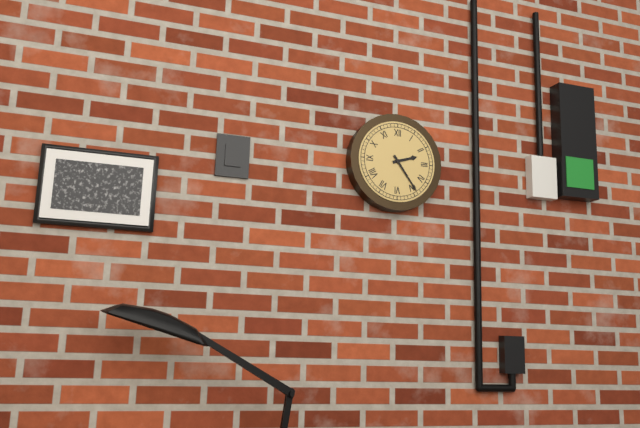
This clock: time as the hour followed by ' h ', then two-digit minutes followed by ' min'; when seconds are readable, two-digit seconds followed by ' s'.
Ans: 2 h 24 min
